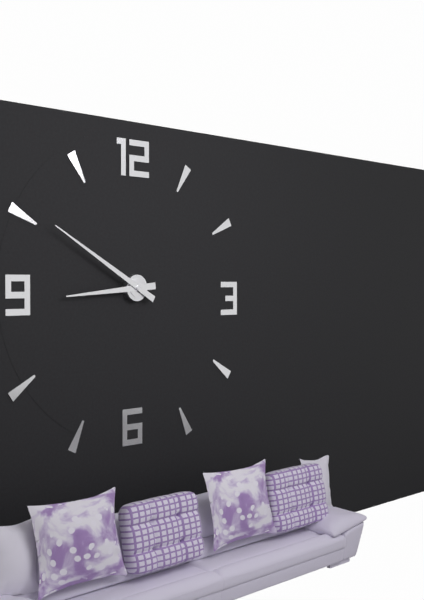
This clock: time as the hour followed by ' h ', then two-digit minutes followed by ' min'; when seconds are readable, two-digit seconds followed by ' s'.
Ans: 8 h 50 min
